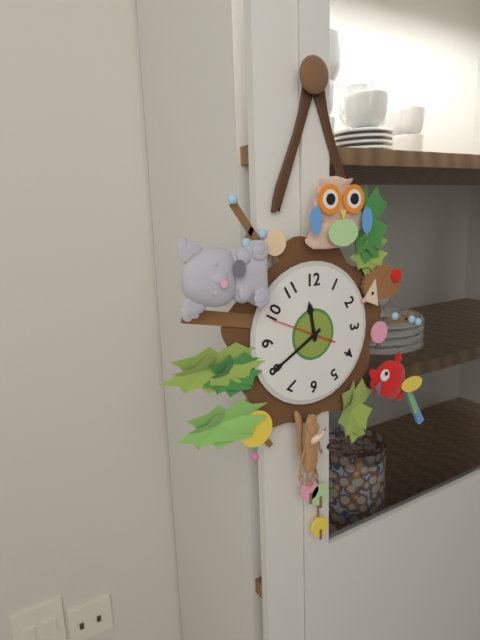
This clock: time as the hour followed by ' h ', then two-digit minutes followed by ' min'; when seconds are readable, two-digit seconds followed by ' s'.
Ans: 11 h 40 min 49 s
